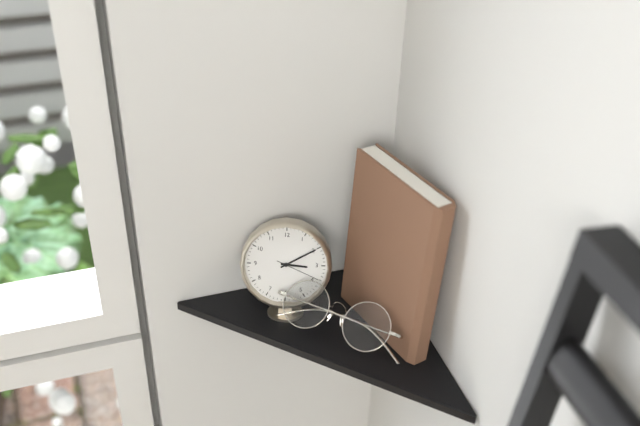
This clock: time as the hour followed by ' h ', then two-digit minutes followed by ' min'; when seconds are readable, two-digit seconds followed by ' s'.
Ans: 3 h 10 min
